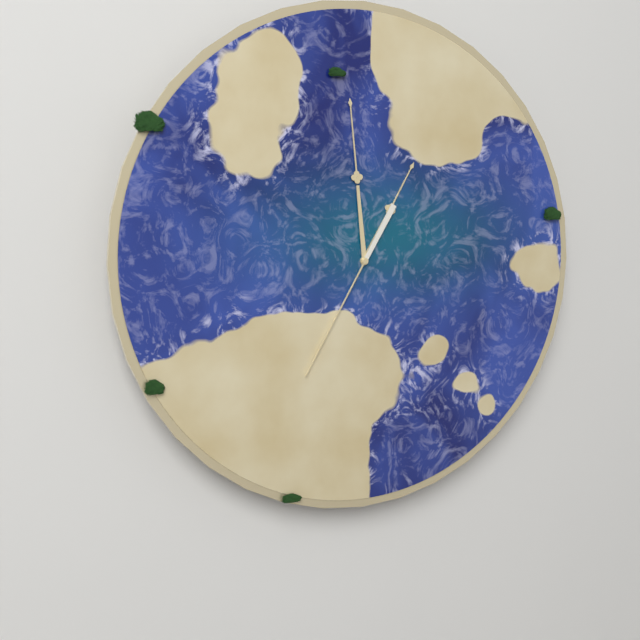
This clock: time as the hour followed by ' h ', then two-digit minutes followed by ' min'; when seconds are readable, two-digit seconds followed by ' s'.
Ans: 12 h 59 min 35 s
